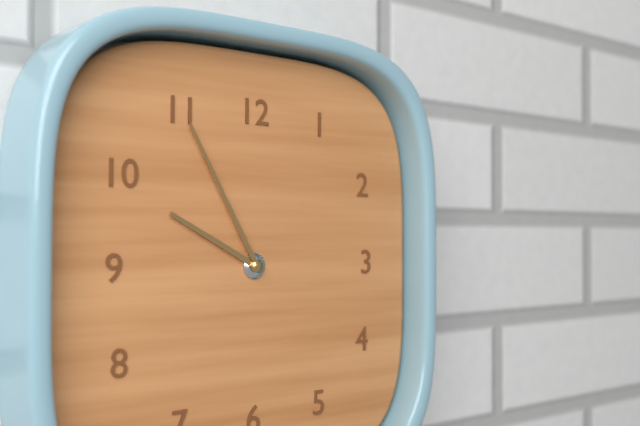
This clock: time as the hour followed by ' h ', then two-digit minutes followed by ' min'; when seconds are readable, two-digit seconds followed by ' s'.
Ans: 9 h 55 min
